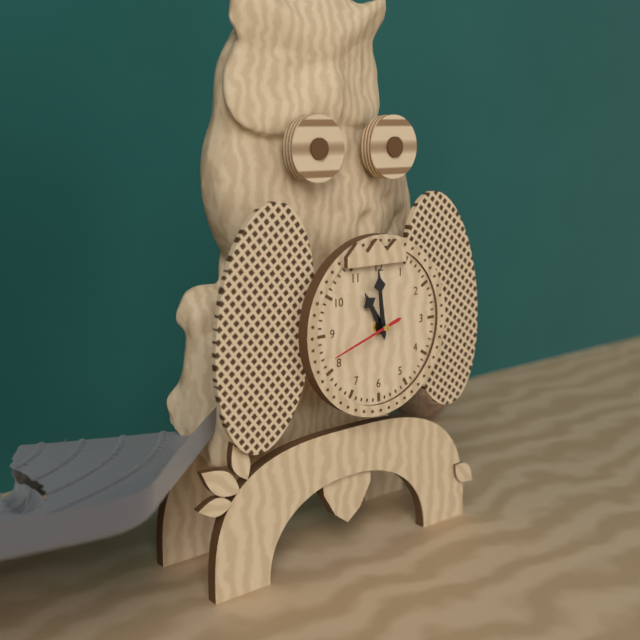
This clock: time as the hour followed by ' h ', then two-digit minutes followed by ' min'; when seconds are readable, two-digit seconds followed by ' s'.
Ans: 10 h 59 min 42 s
